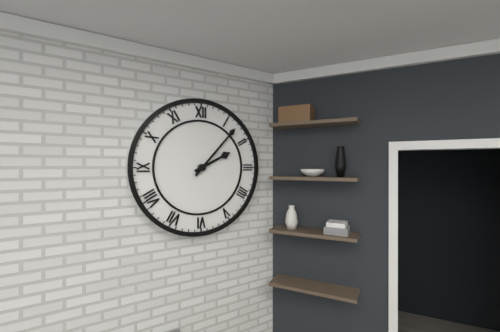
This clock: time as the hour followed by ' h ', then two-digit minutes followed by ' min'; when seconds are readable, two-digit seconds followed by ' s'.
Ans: 2 h 07 min
